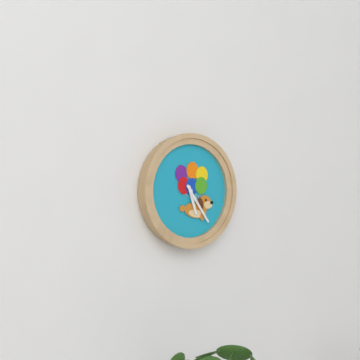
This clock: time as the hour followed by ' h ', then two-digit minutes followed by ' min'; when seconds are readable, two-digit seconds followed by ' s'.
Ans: 5 h 24 min
